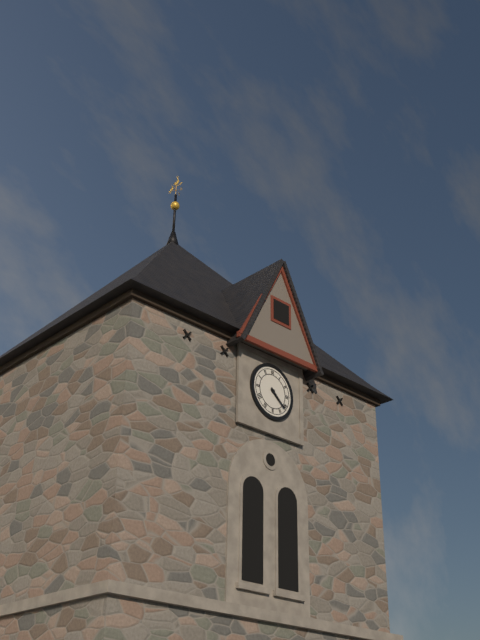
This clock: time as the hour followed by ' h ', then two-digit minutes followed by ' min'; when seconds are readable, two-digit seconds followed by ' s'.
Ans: 4 h 22 min
